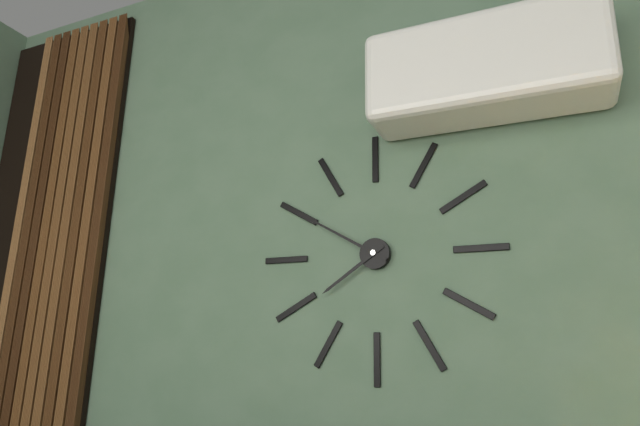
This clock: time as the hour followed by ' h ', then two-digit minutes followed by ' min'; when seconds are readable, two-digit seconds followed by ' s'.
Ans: 7 h 50 min
